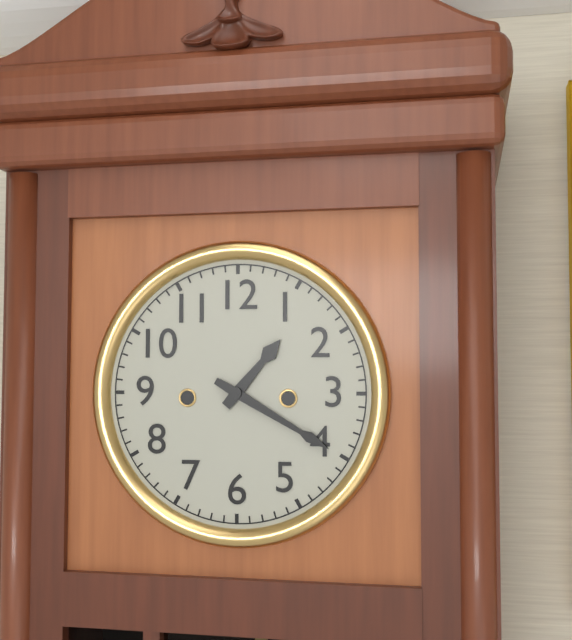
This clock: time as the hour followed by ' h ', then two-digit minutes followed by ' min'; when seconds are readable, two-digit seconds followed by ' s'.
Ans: 1 h 20 min
